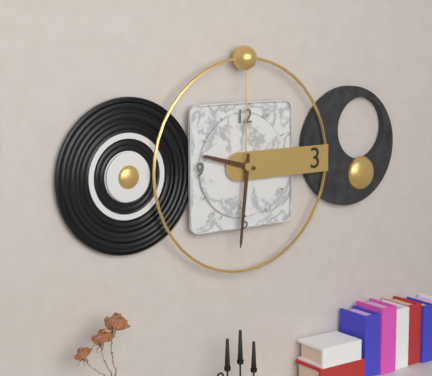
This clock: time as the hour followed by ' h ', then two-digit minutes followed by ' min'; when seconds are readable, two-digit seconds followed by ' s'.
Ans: 9 h 31 min
